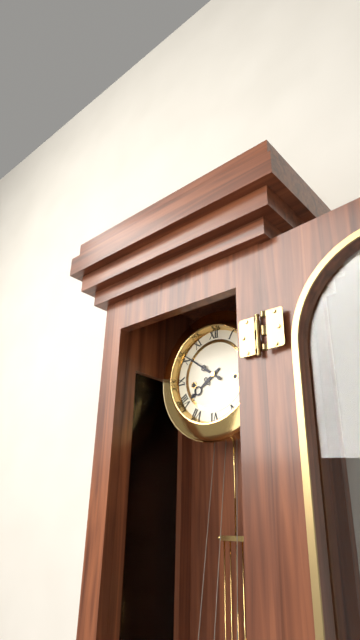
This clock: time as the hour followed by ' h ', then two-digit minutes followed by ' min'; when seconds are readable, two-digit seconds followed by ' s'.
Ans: 7 h 51 min
